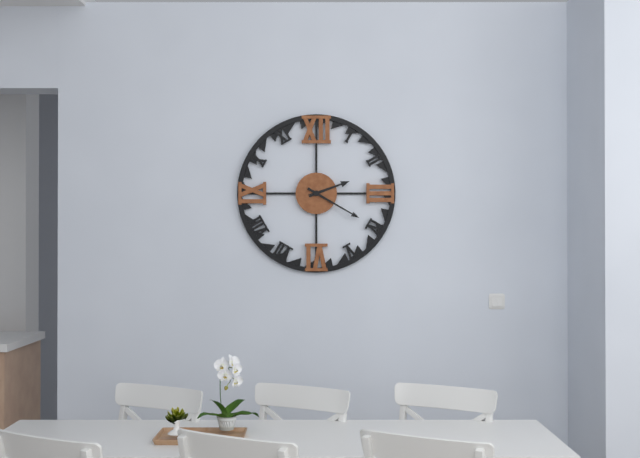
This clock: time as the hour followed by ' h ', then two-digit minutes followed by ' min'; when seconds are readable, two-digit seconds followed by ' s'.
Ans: 2 h 20 min
